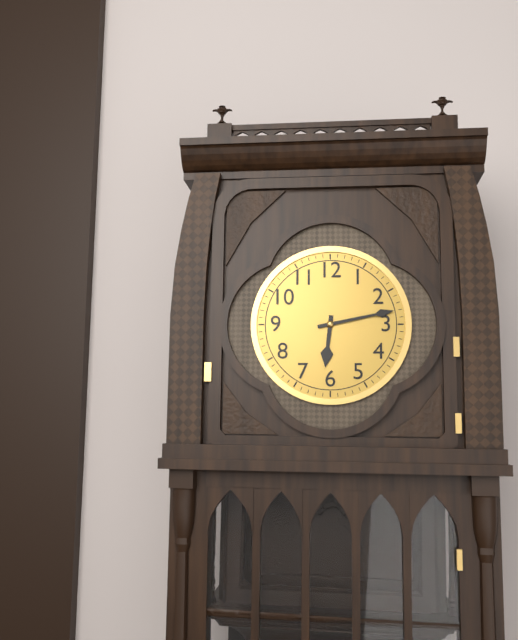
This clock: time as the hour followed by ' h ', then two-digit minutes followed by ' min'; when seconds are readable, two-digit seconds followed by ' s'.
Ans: 6 h 13 min
